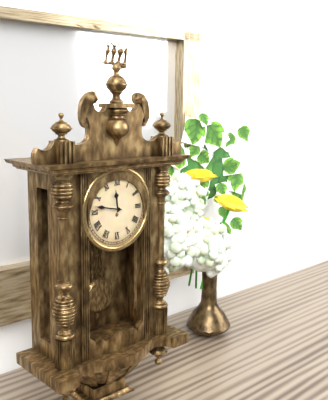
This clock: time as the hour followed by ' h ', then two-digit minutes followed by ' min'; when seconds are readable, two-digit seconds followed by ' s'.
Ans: 11 h 47 min
